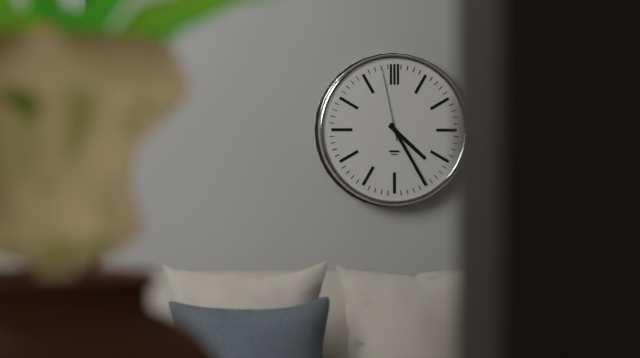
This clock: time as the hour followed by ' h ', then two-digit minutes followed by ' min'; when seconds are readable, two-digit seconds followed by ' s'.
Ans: 4 h 25 min 58 s
